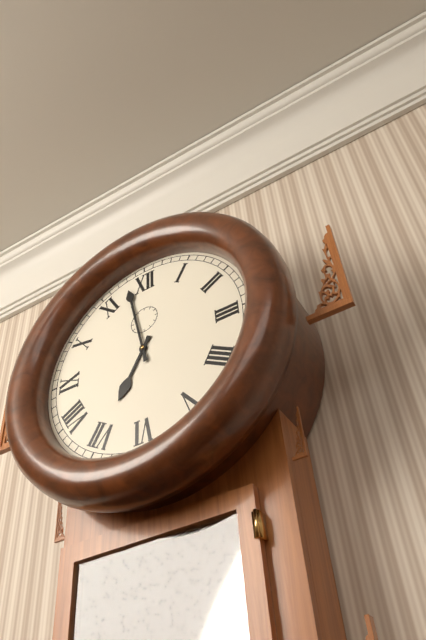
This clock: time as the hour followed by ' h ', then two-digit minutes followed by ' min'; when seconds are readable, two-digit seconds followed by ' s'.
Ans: 6 h 58 min
